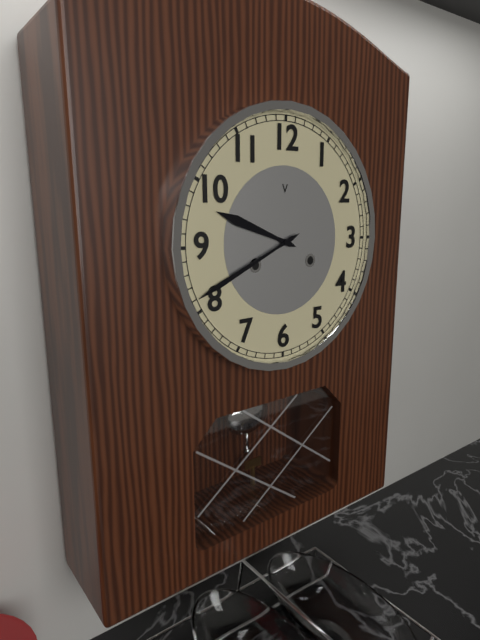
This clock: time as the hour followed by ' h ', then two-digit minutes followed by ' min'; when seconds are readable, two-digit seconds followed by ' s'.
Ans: 9 h 41 min
